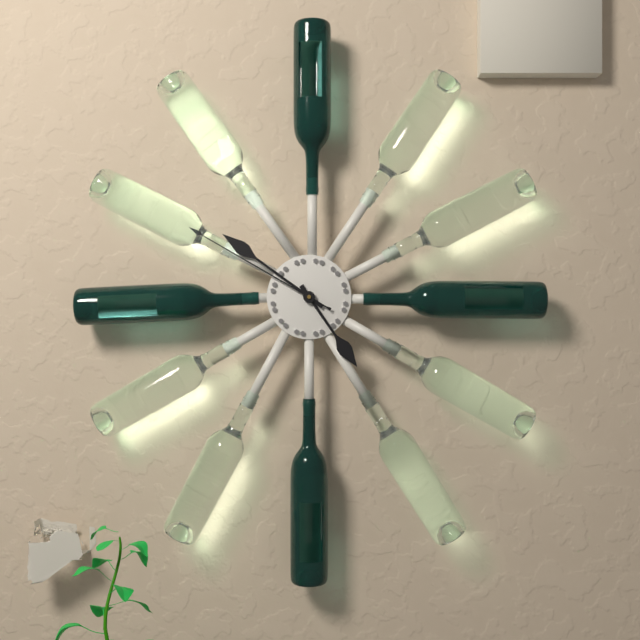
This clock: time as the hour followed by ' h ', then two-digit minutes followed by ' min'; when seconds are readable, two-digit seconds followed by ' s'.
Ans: 4 h 51 min 50 s
